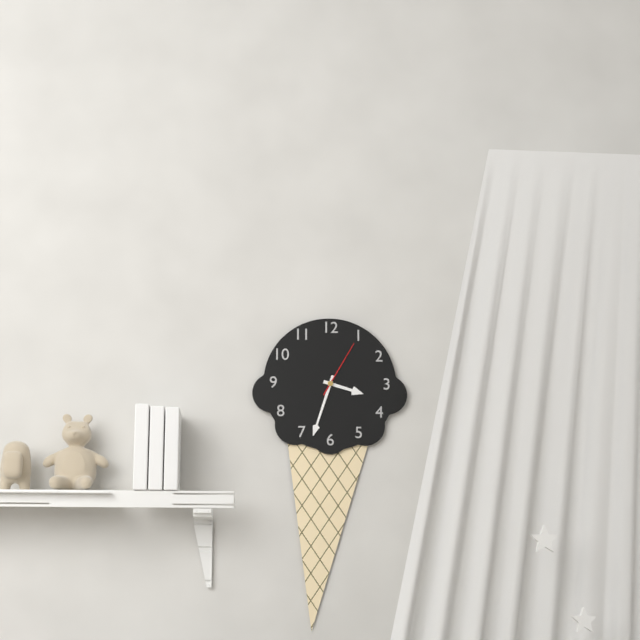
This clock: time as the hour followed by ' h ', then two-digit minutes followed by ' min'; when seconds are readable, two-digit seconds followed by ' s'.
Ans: 3 h 33 min 05 s
